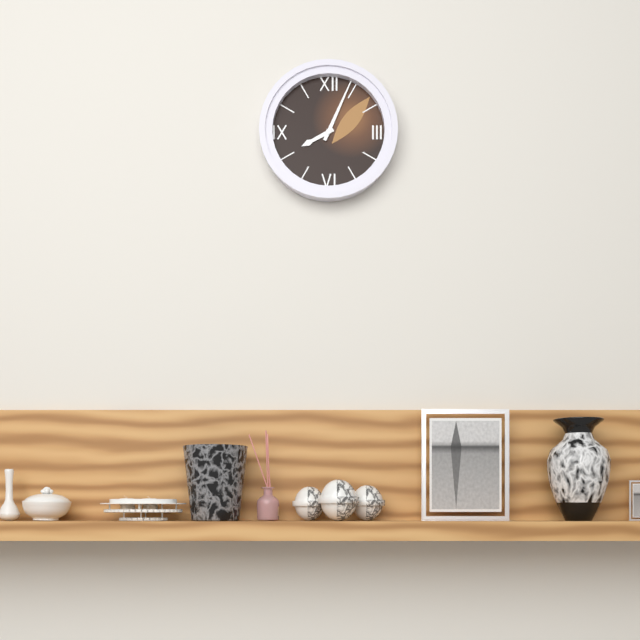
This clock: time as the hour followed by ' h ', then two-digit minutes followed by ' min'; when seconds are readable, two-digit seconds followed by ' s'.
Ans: 8 h 04 min
